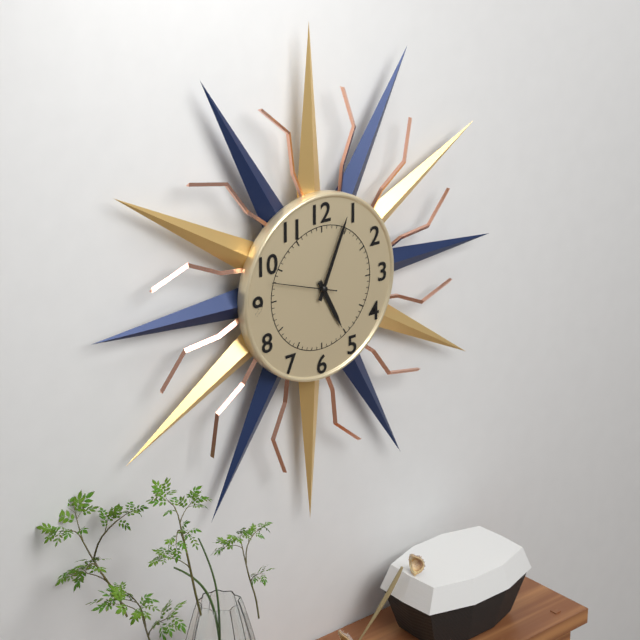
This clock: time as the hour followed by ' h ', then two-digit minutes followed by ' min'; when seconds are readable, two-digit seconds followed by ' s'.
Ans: 5 h 04 min 48 s
